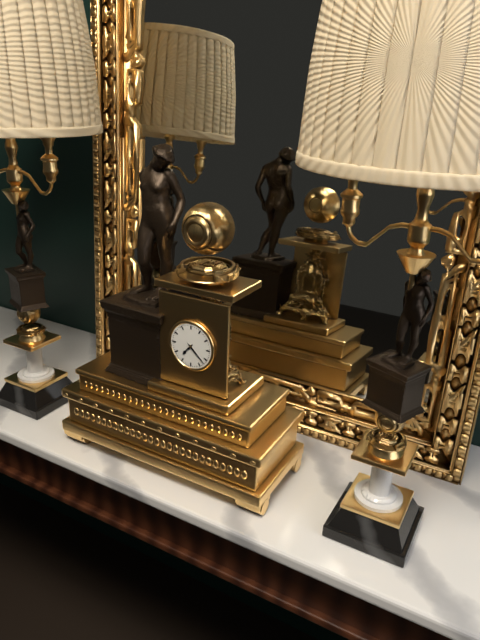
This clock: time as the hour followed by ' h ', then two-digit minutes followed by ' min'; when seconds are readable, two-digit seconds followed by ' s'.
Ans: 7 h 22 min
